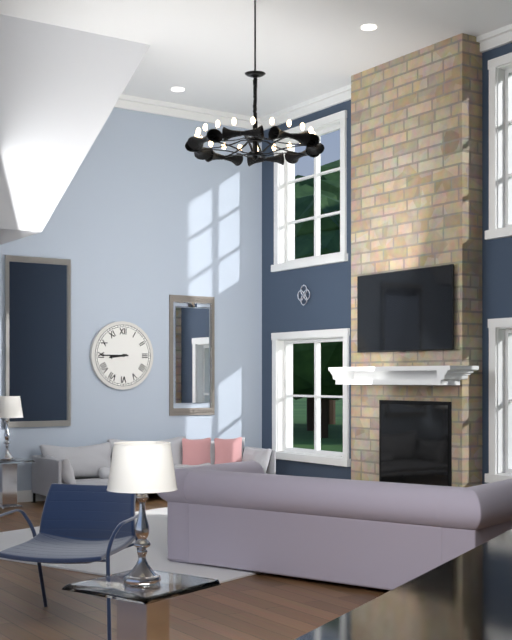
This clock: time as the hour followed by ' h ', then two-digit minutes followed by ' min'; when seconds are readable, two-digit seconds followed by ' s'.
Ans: 8 h 45 min
